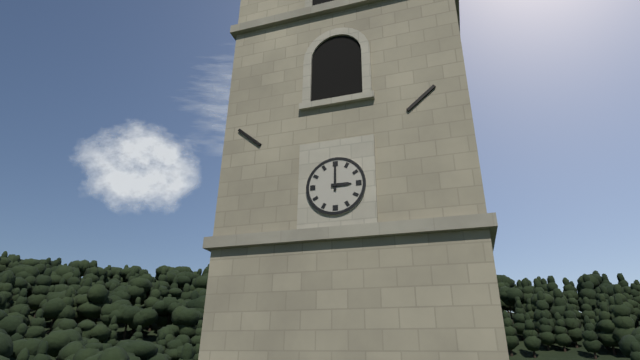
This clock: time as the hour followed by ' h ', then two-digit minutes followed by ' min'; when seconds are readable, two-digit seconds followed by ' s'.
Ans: 3 h 00 min
